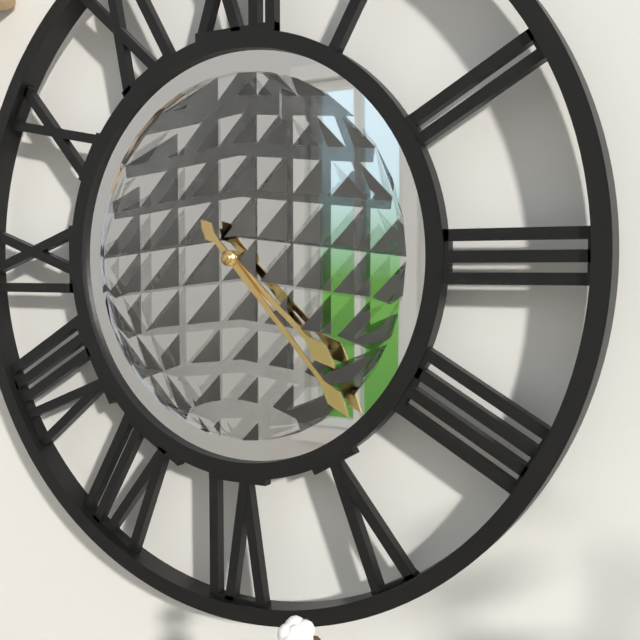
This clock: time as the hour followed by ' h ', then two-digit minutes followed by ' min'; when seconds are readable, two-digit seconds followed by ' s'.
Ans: 4 h 23 min
